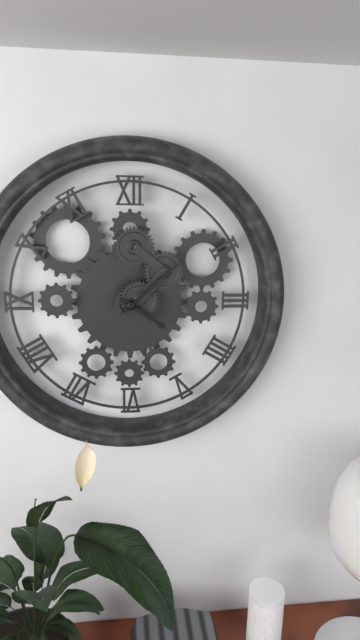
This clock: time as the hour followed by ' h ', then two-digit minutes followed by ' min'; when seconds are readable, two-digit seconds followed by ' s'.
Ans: 4 h 08 min
